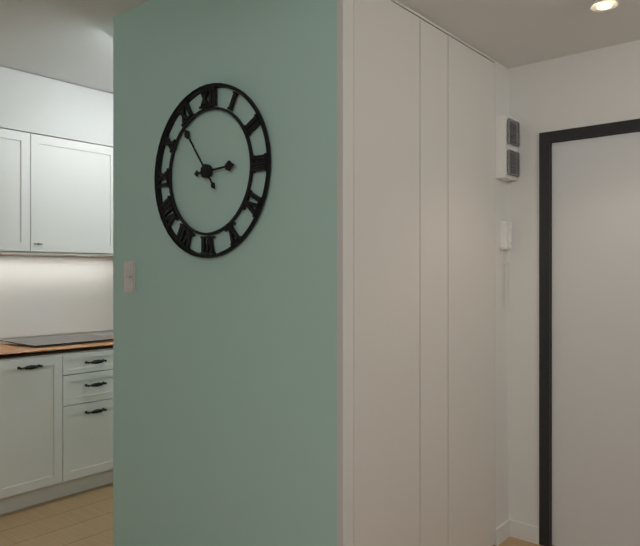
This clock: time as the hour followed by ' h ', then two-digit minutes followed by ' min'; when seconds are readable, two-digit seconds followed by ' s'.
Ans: 2 h 54 min
